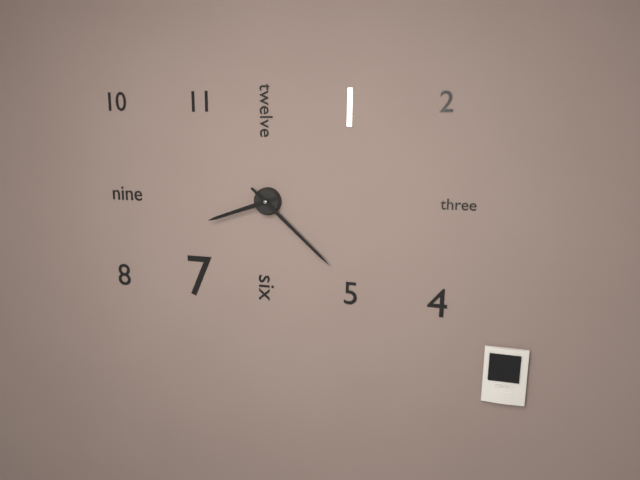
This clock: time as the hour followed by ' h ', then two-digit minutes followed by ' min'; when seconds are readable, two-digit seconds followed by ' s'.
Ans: 8 h 22 min
